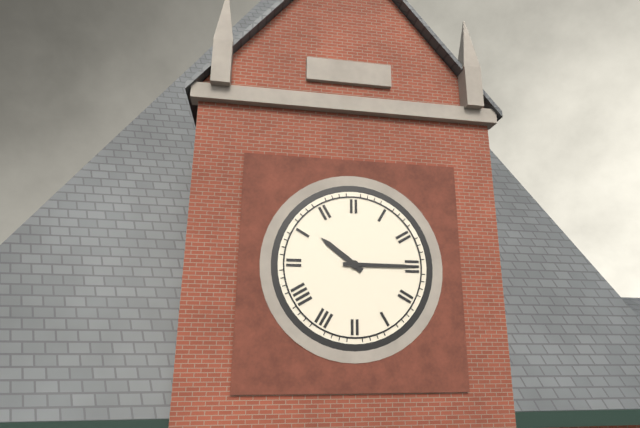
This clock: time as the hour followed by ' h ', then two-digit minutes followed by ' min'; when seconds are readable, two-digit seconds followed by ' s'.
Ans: 10 h 15 min
